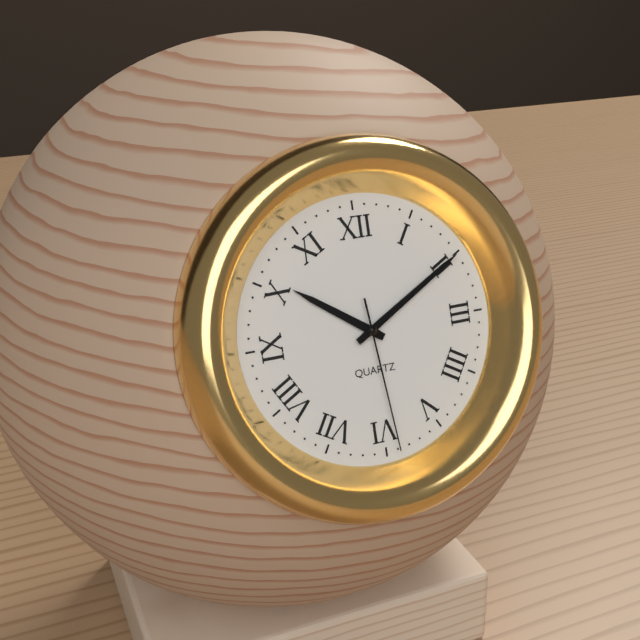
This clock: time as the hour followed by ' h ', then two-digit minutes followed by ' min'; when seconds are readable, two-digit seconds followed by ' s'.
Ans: 10 h 10 min 29 s
